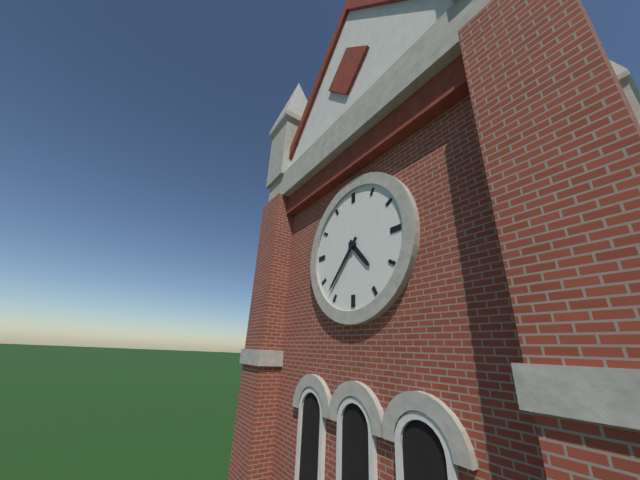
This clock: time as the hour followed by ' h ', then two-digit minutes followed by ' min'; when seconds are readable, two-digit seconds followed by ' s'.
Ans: 4 h 37 min
